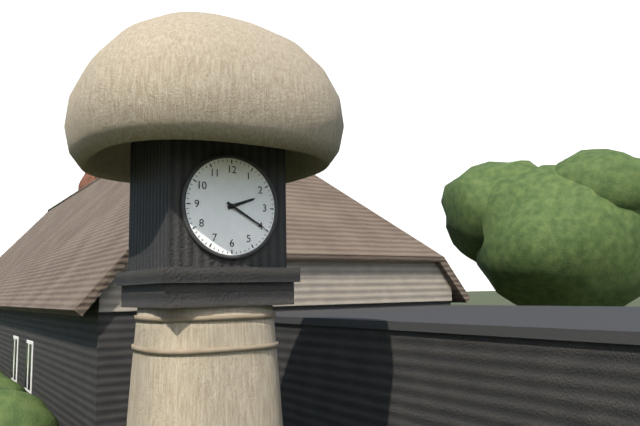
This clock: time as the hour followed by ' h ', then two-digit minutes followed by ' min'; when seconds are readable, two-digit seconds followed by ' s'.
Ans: 2 h 20 min
